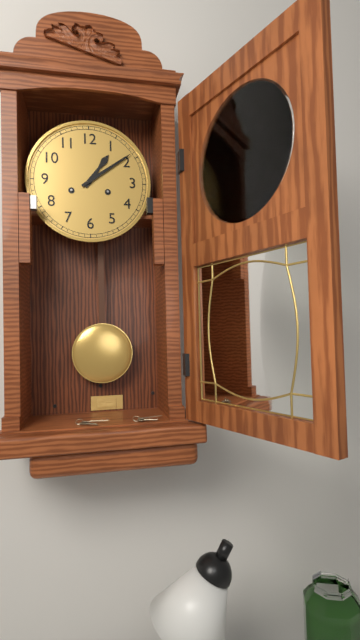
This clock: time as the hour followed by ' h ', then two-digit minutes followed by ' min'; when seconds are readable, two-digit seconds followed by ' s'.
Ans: 1 h 09 min
